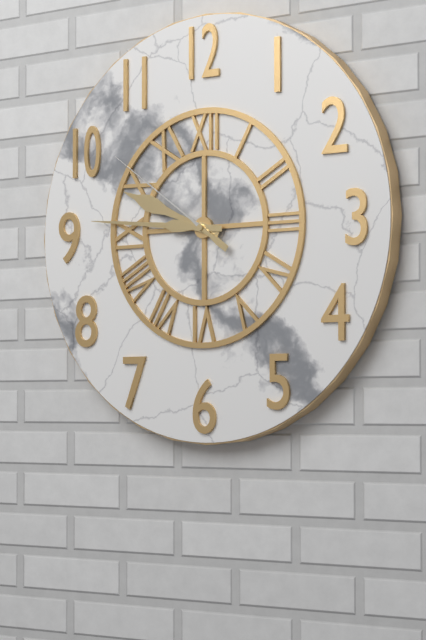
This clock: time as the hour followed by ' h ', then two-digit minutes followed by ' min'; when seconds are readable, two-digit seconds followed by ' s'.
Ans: 9 h 46 min 51 s
